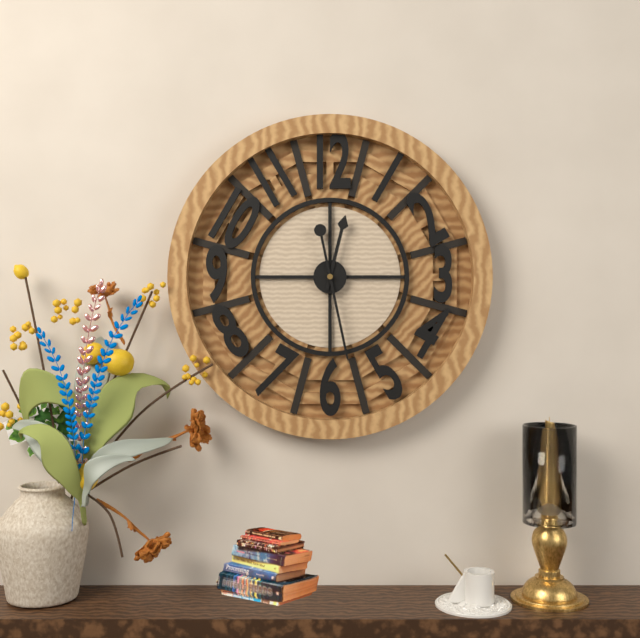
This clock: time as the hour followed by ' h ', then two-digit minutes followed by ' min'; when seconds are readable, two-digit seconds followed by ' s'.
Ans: 12 h 28 min
